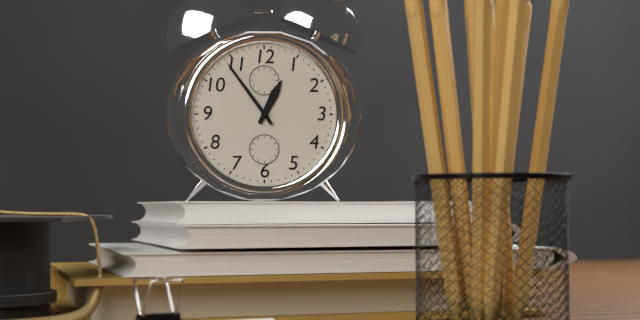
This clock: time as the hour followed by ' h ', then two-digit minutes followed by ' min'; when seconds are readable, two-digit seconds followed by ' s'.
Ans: 12 h 54 min
